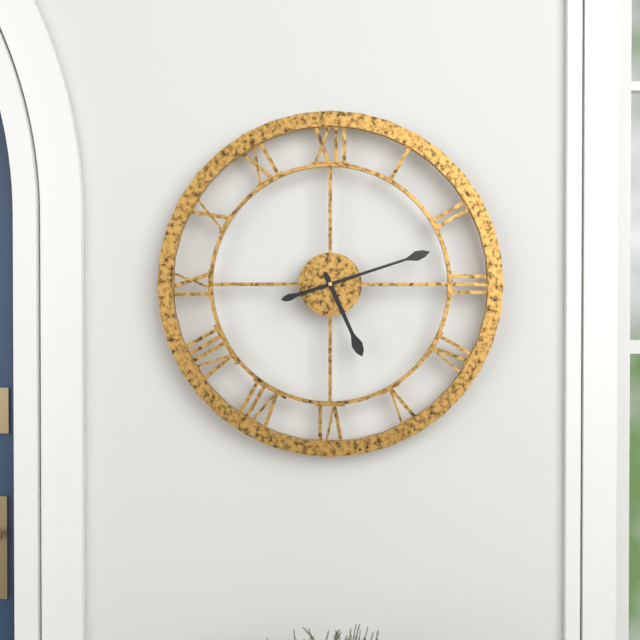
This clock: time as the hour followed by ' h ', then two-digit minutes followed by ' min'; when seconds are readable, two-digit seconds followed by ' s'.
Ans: 5 h 12 min
